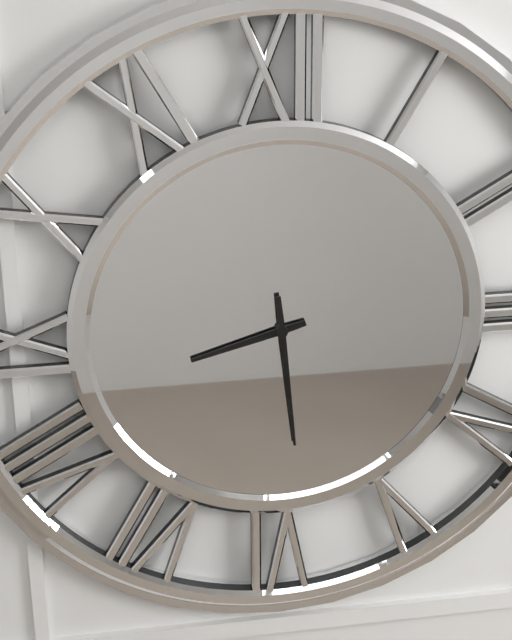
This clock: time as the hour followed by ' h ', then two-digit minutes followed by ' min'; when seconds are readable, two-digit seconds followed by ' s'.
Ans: 8 h 29 min
